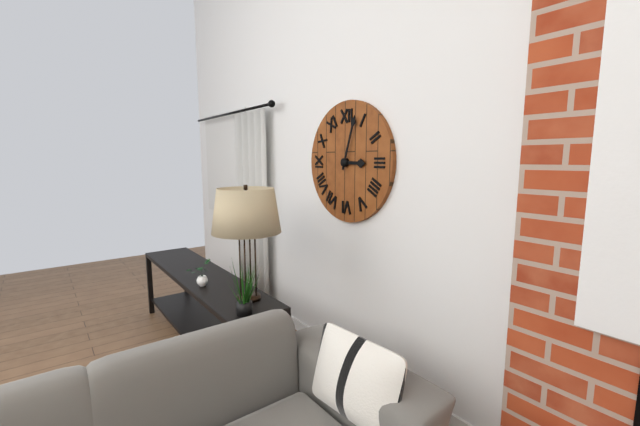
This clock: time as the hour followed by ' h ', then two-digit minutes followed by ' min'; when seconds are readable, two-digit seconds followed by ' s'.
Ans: 3 h 03 min
